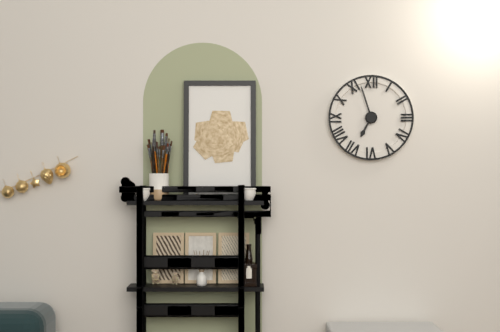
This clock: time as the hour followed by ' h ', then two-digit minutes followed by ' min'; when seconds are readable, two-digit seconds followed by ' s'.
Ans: 6 h 57 min
